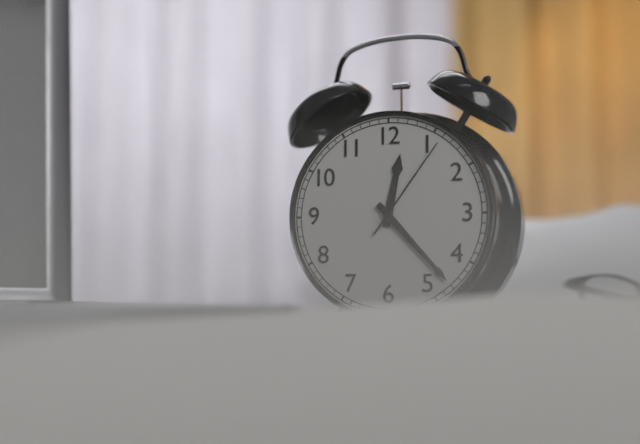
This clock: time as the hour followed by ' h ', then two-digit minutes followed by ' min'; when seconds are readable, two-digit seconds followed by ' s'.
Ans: 12 h 23 min 06 s
